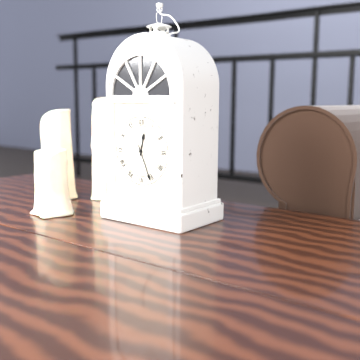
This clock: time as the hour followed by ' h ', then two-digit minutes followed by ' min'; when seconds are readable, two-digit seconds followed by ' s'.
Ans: 12 h 26 min
